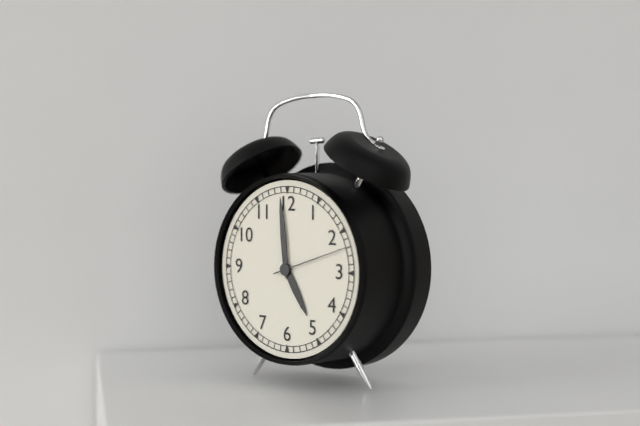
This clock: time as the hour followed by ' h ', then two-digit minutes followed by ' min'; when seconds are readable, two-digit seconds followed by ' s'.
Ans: 4 h 59 min 12 s
